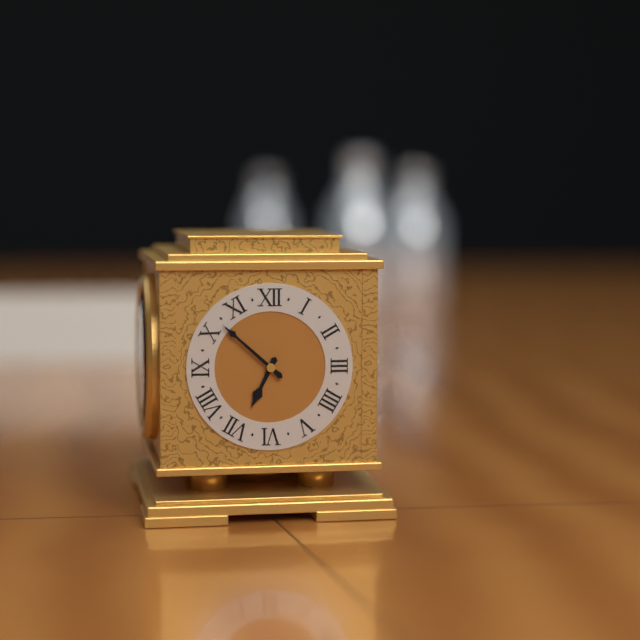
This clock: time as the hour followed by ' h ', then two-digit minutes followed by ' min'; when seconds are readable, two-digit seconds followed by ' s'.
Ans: 6 h 52 min
